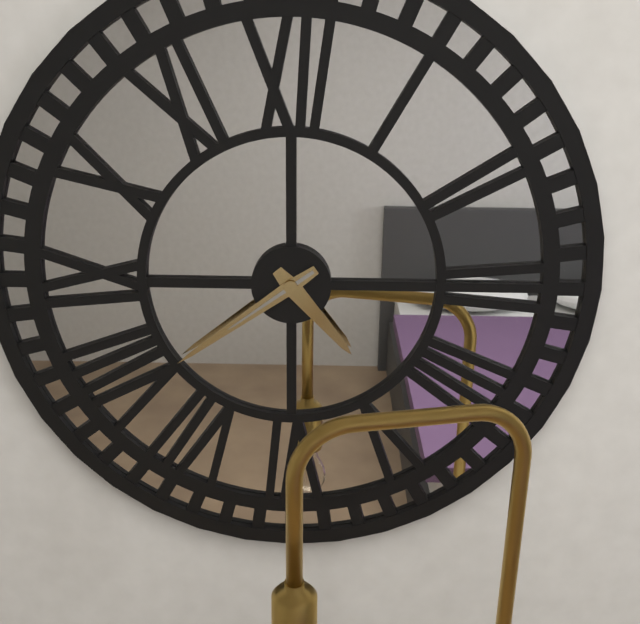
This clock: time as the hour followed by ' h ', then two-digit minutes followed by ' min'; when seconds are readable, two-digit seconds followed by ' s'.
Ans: 4 h 39 min 39 s
